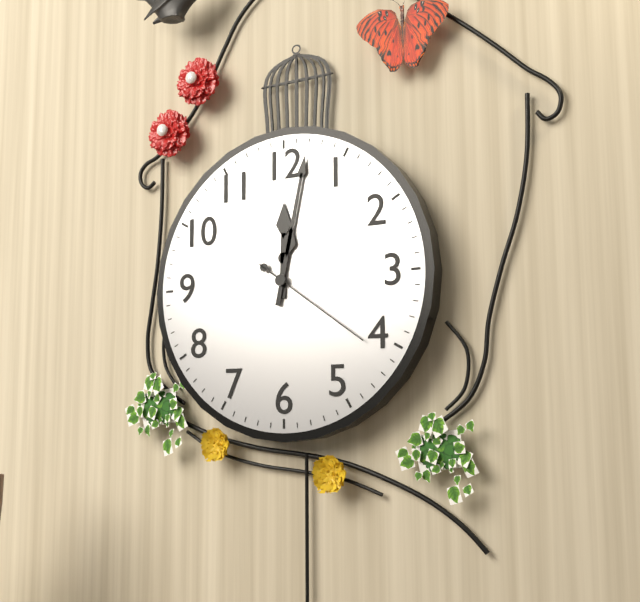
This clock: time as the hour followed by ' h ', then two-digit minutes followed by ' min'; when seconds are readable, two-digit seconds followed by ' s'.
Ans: 12 h 02 min 21 s
